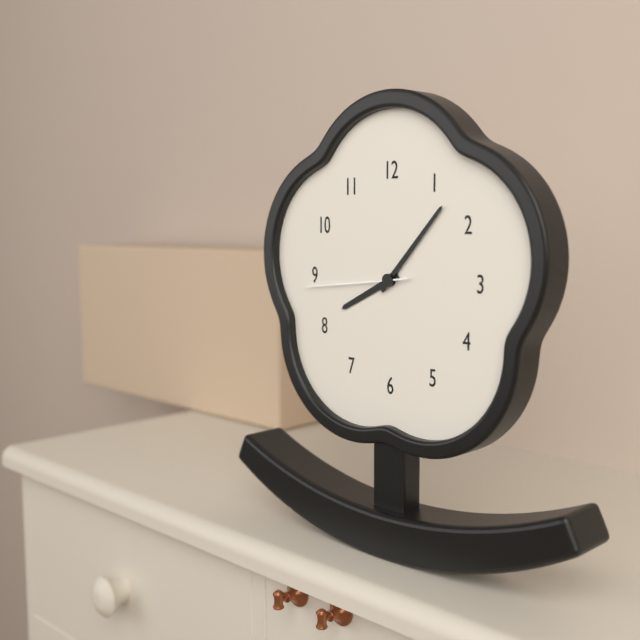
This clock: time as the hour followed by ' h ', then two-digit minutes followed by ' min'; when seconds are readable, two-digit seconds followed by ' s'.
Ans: 8 h 07 min 44 s
